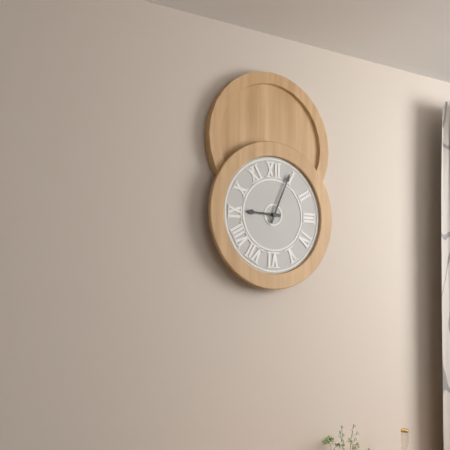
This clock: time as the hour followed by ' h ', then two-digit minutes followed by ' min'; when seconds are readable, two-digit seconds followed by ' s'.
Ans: 9 h 04 min
